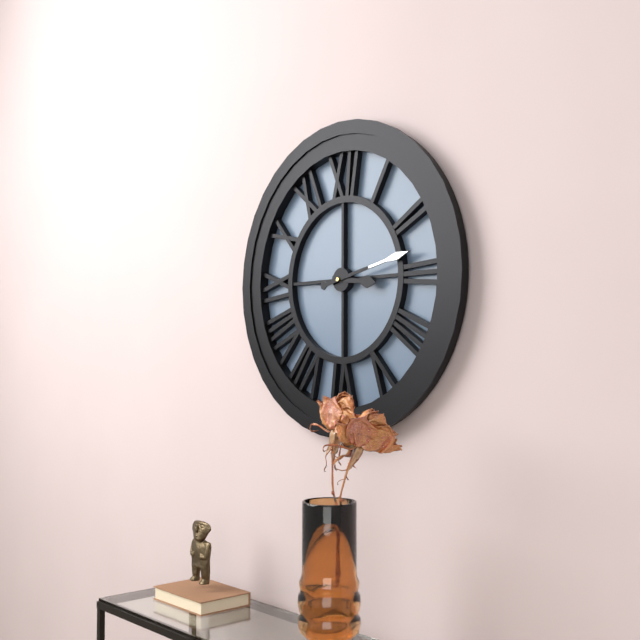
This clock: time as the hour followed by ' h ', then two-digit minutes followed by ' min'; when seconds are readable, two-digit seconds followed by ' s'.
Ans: 3 h 13 min
